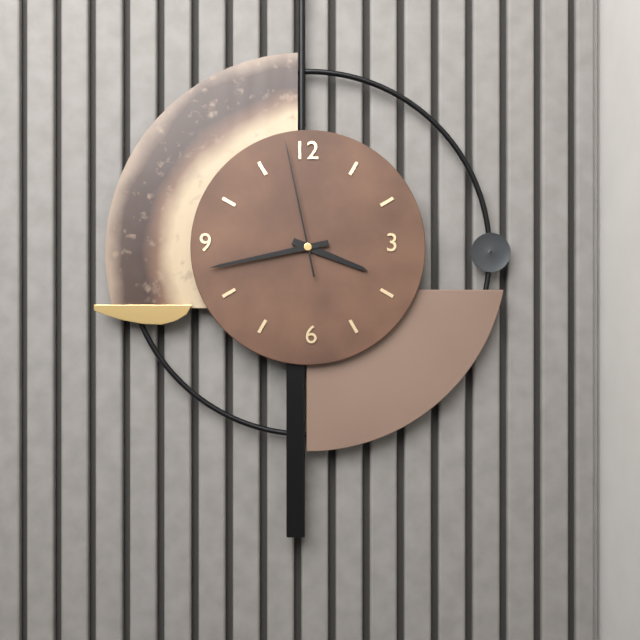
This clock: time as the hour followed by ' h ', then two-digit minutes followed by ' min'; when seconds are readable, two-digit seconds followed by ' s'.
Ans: 3 h 43 min 58 s
